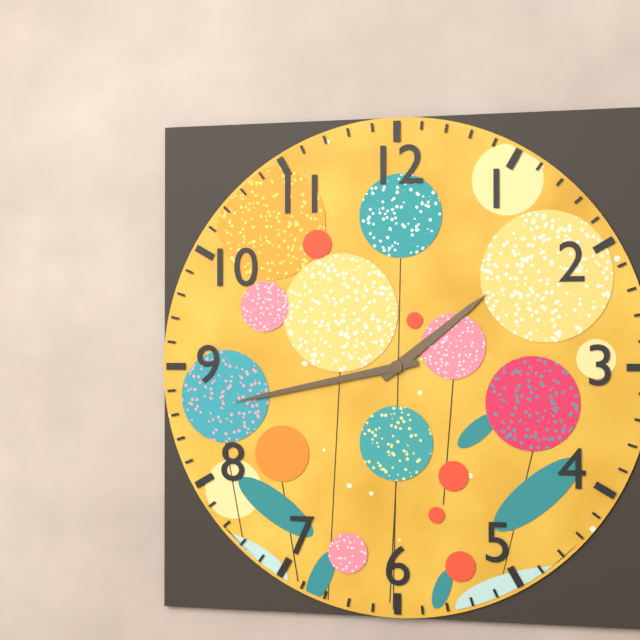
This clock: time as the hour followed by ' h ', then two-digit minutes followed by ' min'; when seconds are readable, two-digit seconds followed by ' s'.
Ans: 1 h 43 min
